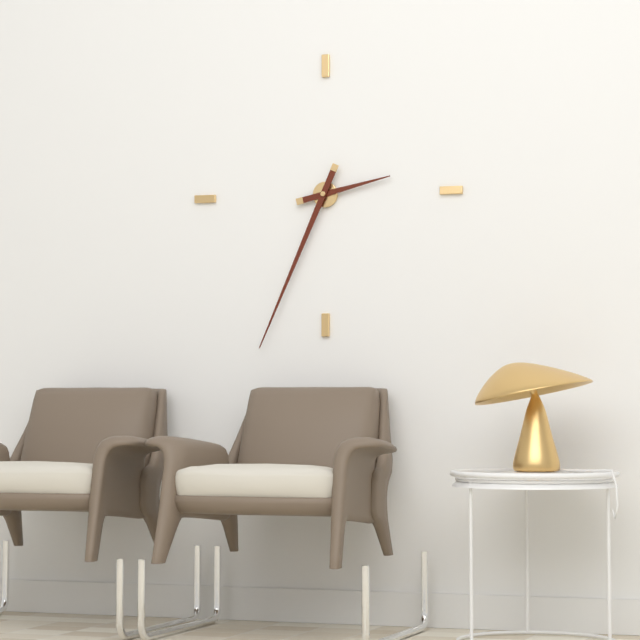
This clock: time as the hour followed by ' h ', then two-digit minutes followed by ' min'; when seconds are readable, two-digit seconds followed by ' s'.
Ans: 2 h 34 min
